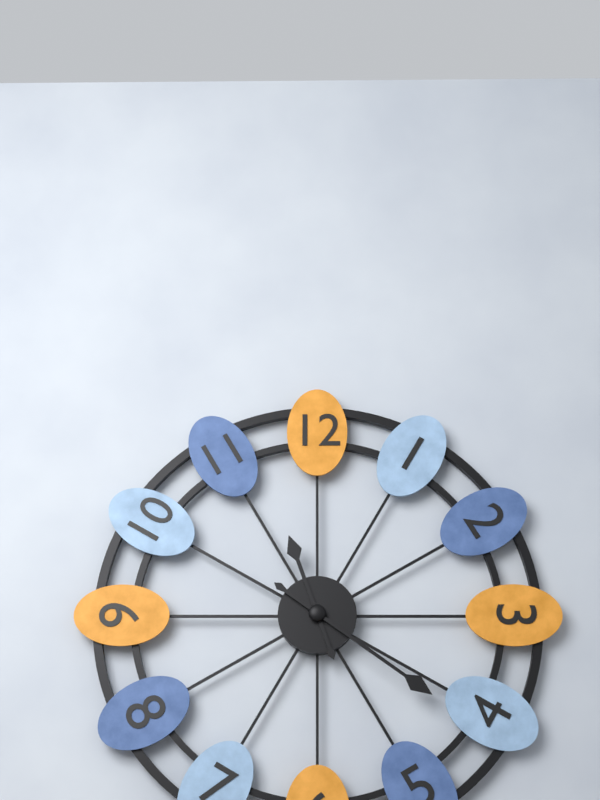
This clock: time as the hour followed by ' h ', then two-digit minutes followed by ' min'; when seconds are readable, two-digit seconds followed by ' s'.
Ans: 11 h 21 min
